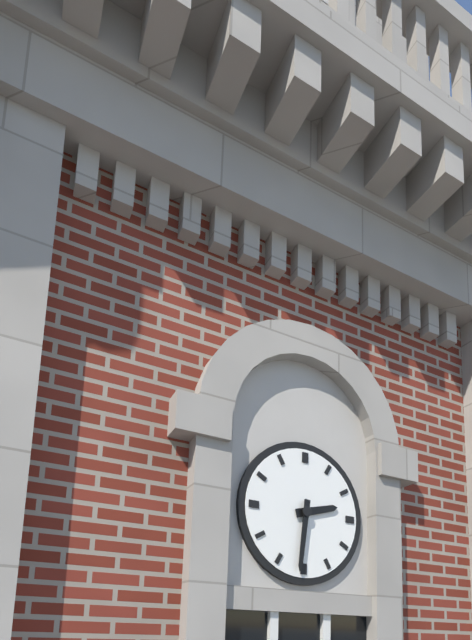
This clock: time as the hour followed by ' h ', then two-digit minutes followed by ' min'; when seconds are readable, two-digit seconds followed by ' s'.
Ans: 2 h 31 min
